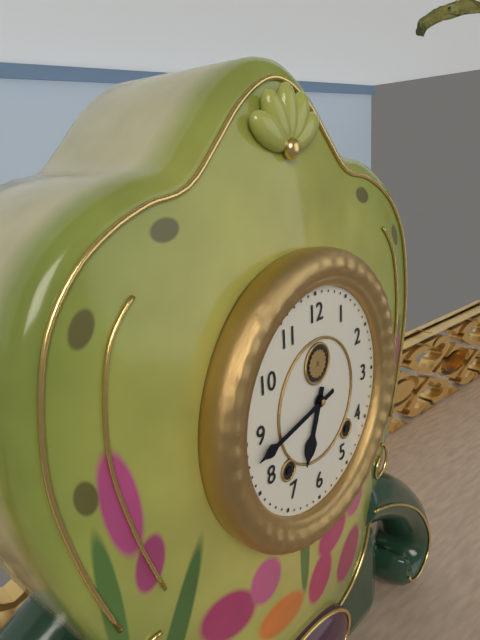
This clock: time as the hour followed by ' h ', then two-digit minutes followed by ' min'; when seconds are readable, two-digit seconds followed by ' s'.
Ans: 6 h 43 min
